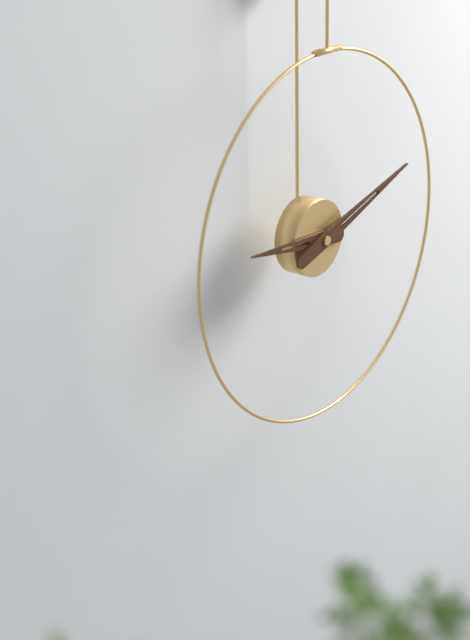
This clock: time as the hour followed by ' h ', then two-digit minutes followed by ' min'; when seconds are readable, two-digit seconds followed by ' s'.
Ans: 9 h 12 min
